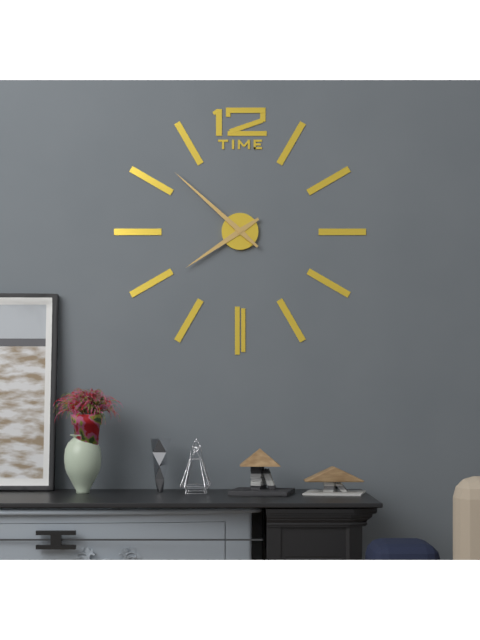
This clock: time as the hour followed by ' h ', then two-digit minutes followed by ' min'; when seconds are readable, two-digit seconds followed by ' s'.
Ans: 7 h 52 min
